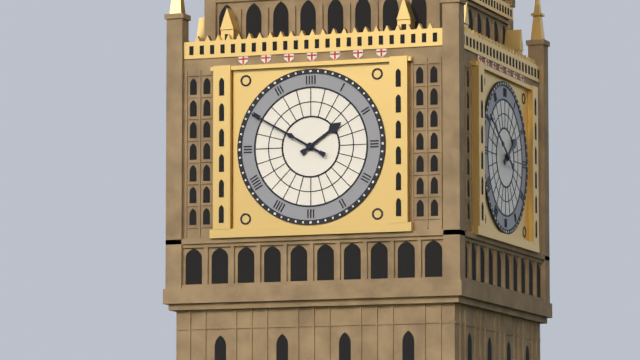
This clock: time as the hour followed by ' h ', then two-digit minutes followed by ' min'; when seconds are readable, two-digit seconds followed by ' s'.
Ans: 1 h 50 min
